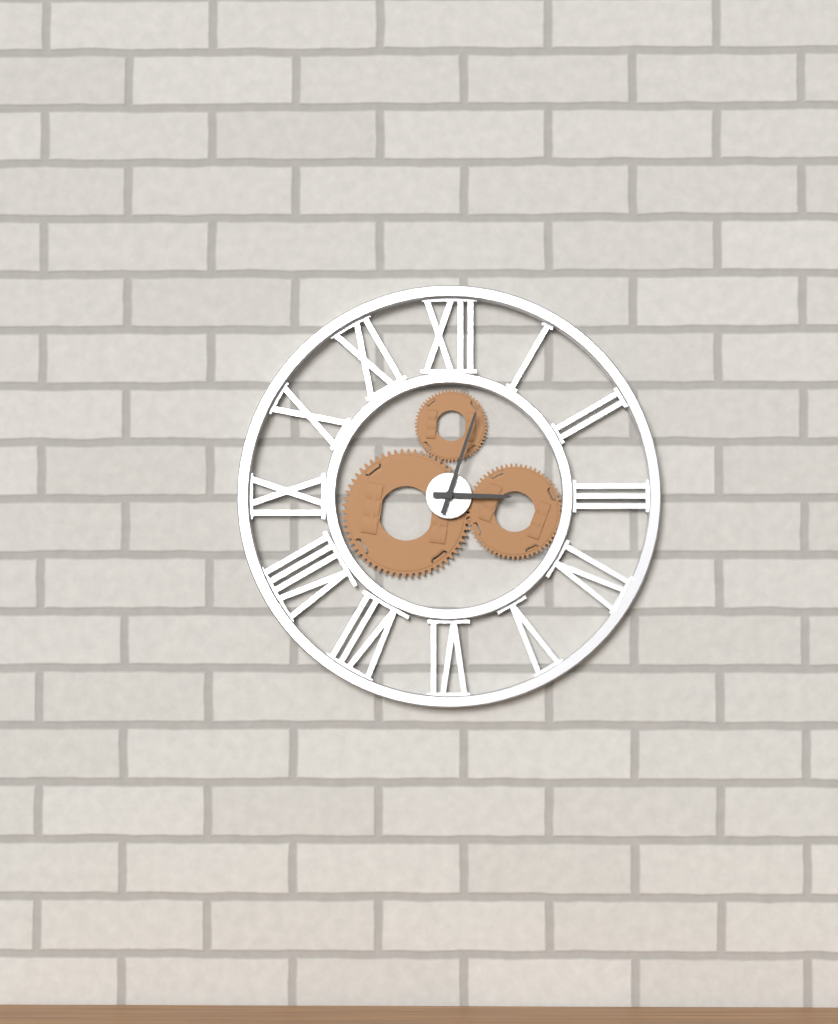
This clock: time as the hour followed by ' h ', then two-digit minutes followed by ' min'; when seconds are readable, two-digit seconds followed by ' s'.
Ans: 3 h 03 min
